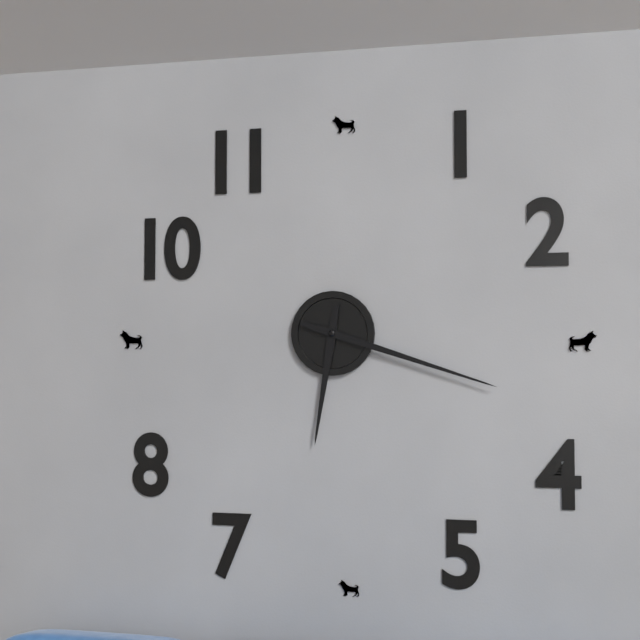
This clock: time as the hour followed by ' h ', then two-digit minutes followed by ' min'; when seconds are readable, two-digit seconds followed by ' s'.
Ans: 6 h 18 min
